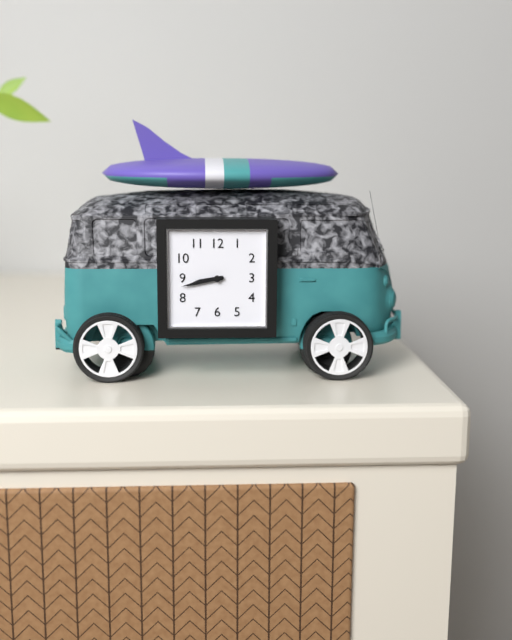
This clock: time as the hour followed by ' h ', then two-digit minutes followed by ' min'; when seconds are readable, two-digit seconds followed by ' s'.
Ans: 8 h 43 min
